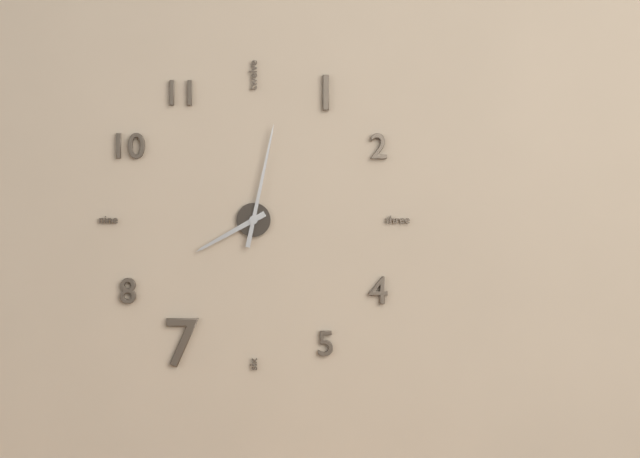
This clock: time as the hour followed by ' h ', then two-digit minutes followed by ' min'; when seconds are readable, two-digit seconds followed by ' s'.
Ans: 8 h 02 min
